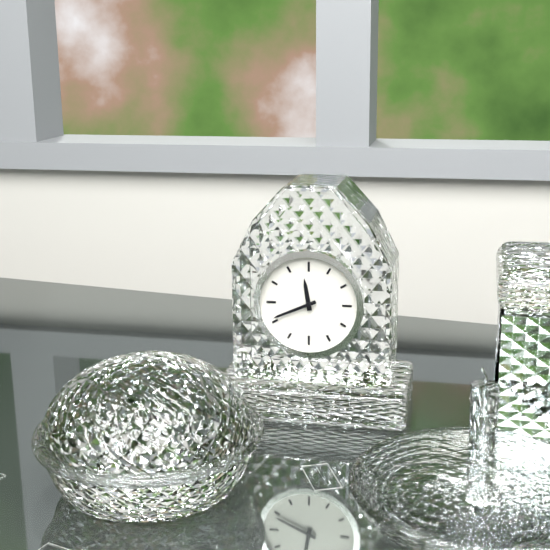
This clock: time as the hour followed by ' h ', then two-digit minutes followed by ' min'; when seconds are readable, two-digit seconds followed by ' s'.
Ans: 11 h 41 min
